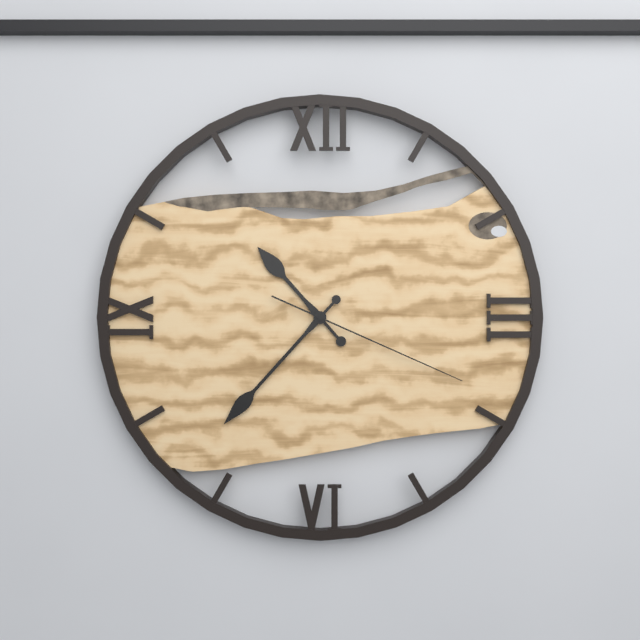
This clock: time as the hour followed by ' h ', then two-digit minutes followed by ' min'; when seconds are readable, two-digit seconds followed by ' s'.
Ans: 10 h 37 min 19 s
